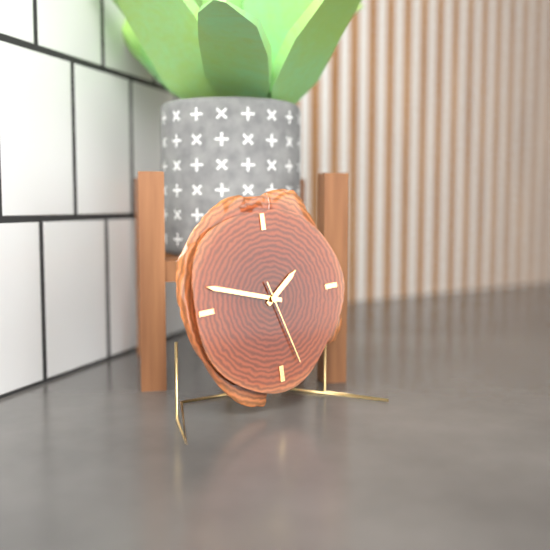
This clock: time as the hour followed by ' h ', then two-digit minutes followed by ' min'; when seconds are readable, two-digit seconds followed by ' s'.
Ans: 1 h 48 min 27 s
